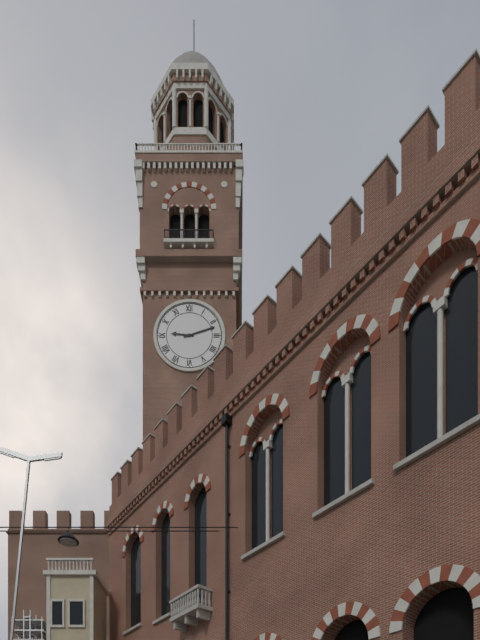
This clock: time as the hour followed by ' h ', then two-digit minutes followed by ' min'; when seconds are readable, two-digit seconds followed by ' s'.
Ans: 9 h 12 min
